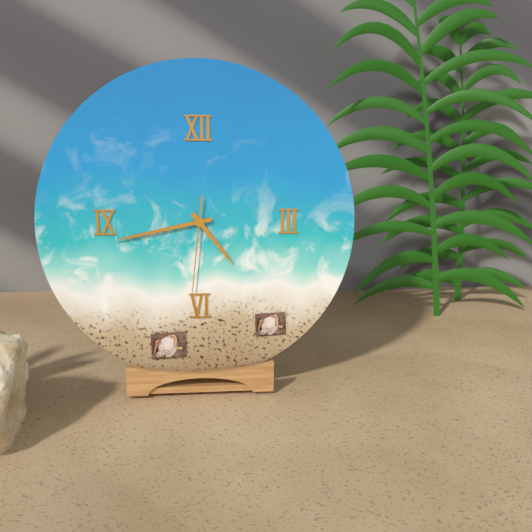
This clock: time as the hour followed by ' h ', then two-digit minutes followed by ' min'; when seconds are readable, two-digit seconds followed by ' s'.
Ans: 4 h 43 min 31 s
